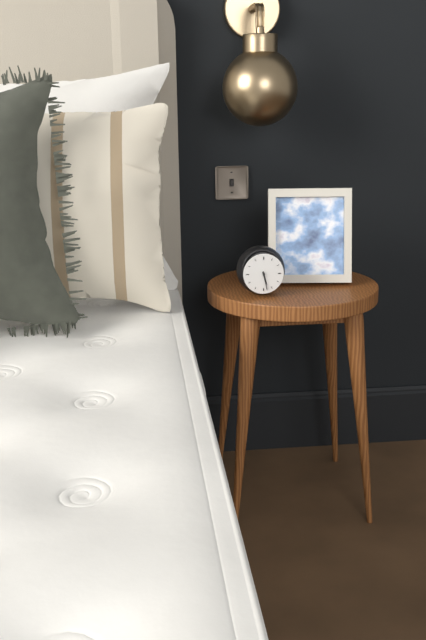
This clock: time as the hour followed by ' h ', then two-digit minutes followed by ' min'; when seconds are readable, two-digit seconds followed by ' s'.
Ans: 5 h 28 min
